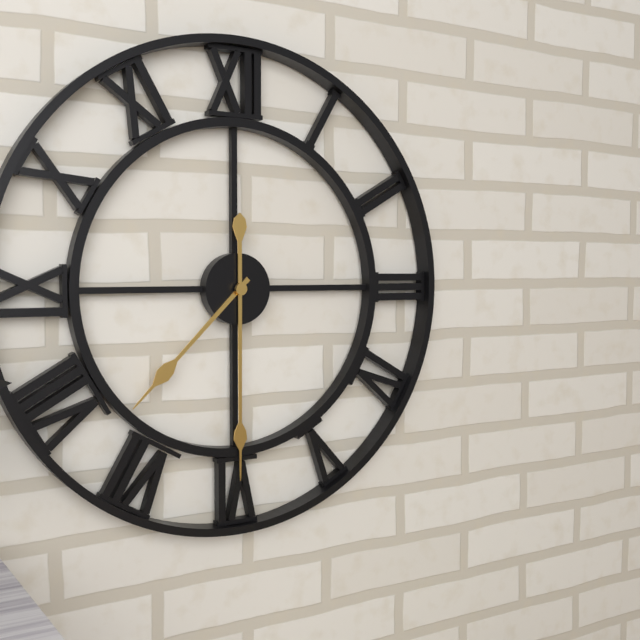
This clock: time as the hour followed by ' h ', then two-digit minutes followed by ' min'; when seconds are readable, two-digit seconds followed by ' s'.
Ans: 7 h 30 min
